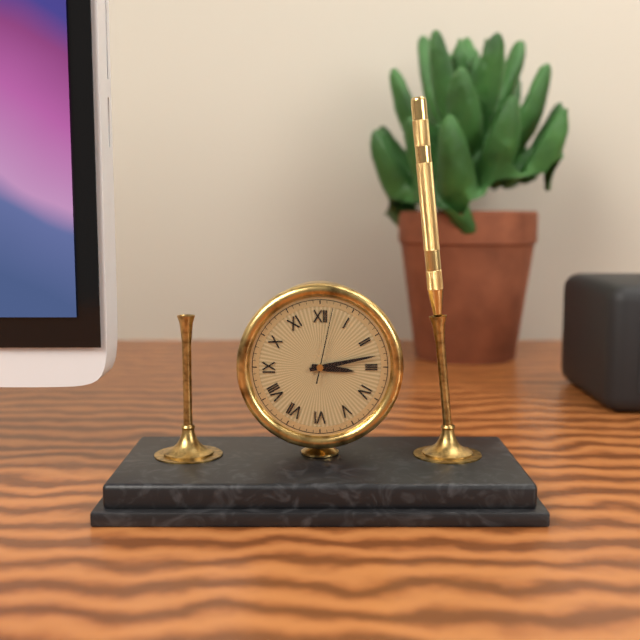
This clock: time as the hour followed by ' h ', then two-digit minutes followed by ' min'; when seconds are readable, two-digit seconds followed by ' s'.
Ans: 3 h 13 min 02 s
